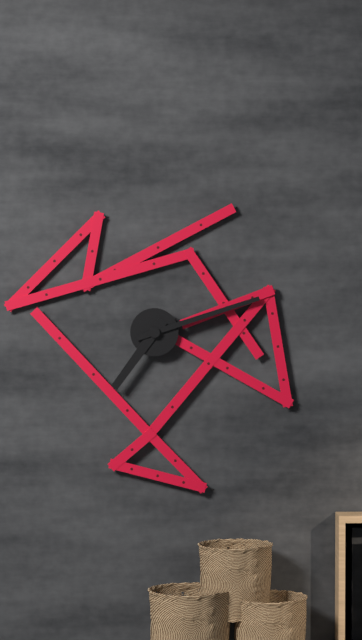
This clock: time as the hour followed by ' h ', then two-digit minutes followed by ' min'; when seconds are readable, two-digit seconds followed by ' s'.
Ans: 7 h 12 min
